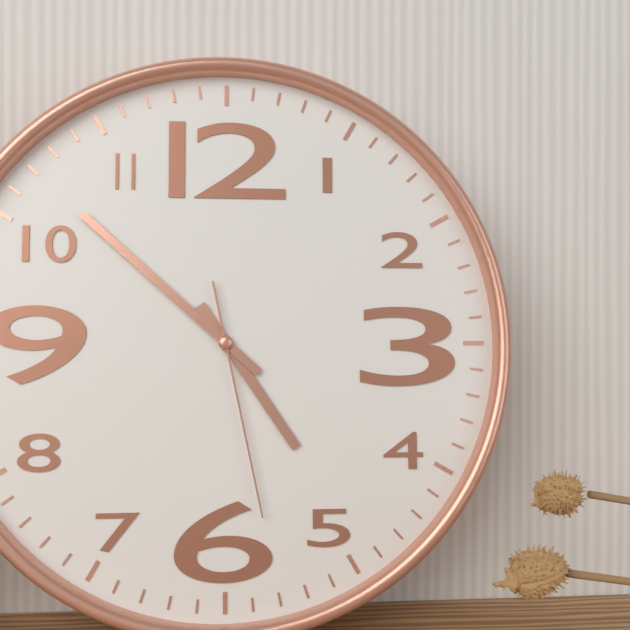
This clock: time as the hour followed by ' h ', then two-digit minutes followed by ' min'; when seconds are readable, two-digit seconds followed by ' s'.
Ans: 4 h 52 min 28 s
